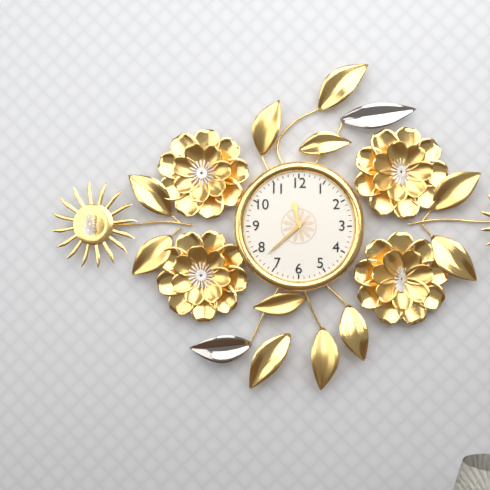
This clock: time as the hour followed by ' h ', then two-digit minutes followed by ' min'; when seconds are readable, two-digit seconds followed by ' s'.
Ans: 11 h 38 min
